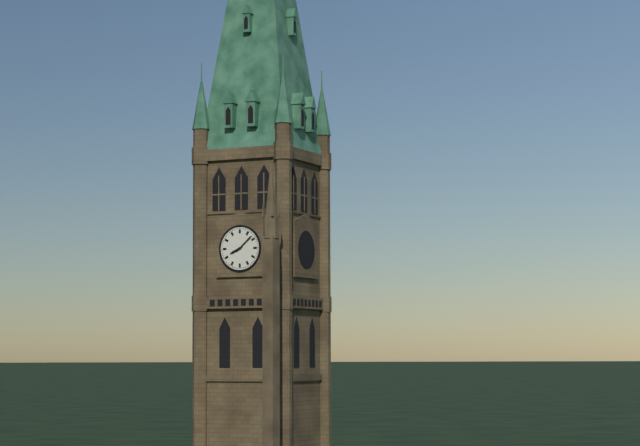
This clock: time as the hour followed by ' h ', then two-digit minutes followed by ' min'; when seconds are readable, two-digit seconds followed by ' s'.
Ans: 8 h 08 min
